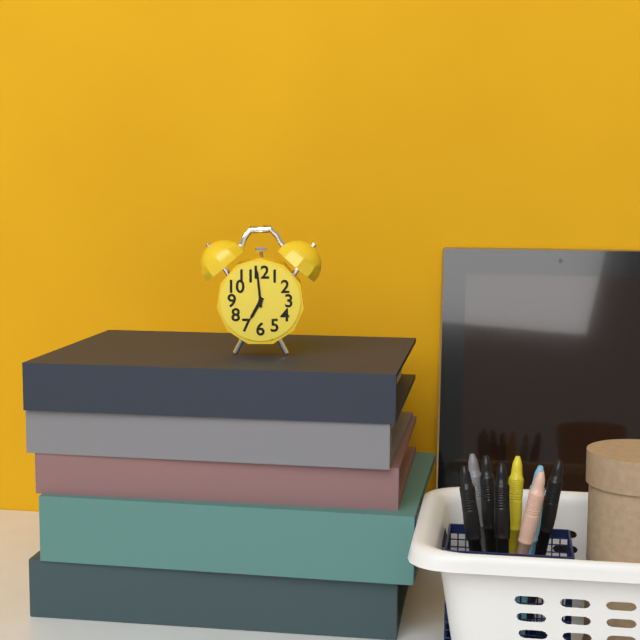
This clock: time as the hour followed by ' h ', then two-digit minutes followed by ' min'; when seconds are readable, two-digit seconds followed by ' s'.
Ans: 6 h 59 min
